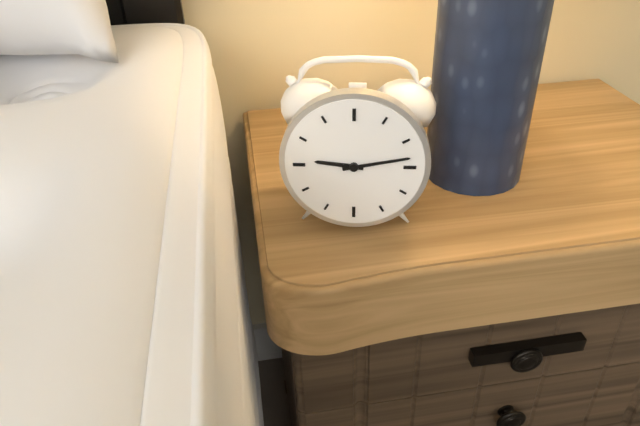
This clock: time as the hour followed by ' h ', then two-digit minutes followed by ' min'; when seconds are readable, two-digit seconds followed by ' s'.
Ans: 9 h 13 min
